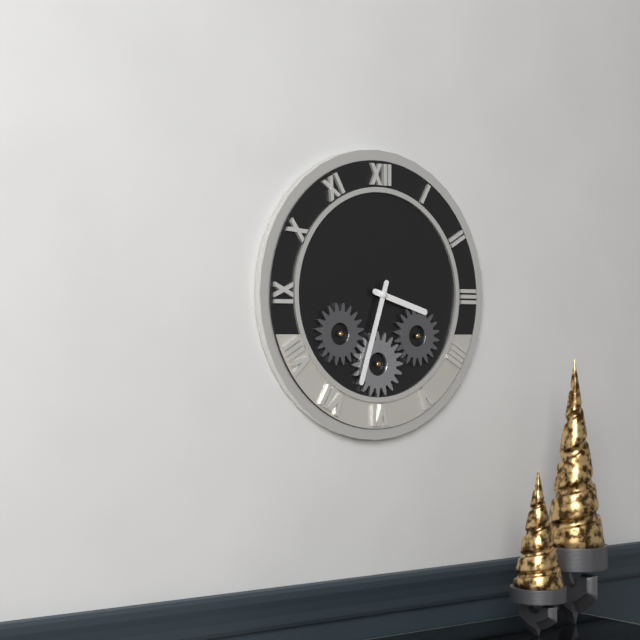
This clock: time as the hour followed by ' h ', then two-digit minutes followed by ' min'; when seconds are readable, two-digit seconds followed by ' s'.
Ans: 3 h 33 min
